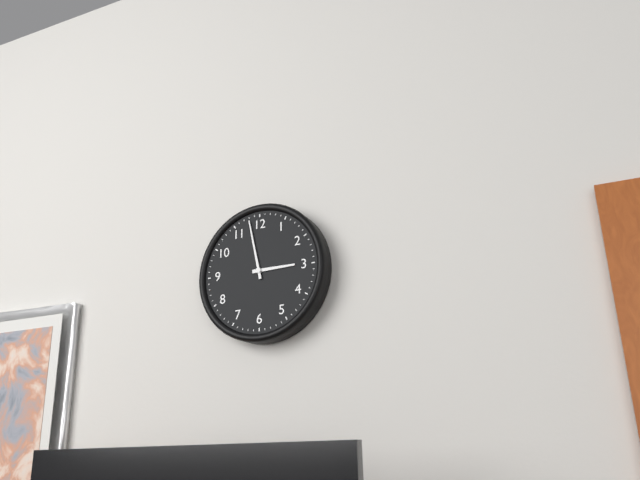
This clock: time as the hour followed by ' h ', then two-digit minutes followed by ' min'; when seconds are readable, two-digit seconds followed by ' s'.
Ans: 2 h 58 min
